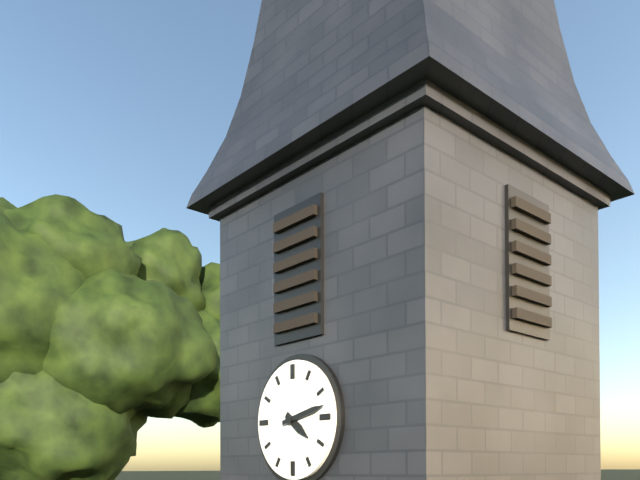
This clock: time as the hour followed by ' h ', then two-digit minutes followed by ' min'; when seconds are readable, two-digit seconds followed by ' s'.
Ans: 4 h 13 min
